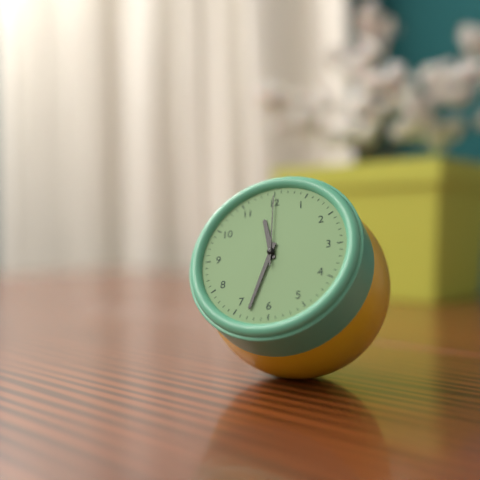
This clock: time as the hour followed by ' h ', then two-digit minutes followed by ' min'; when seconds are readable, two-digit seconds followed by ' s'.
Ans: 11 h 33 min 00 s
